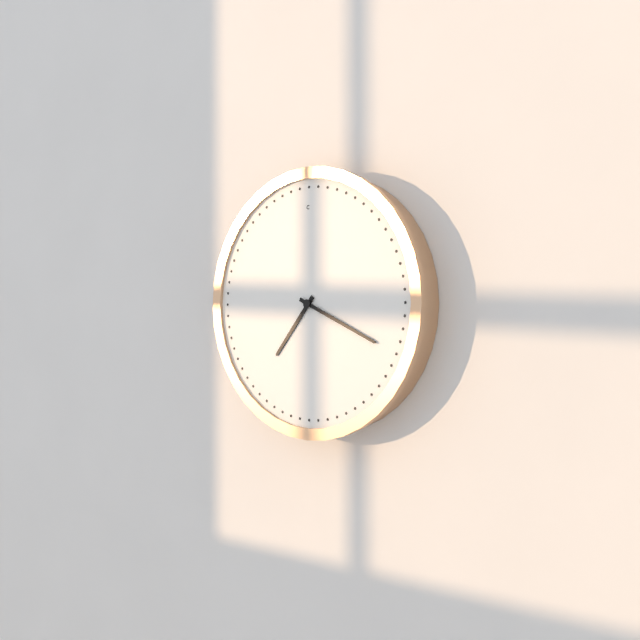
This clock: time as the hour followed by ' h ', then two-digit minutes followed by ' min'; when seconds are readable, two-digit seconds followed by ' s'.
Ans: 7 h 19 min
